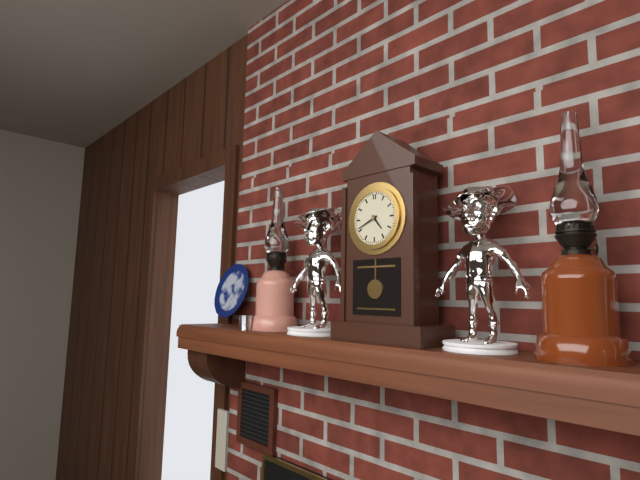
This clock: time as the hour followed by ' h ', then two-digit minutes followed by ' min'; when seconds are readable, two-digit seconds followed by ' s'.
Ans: 4 h 41 min
